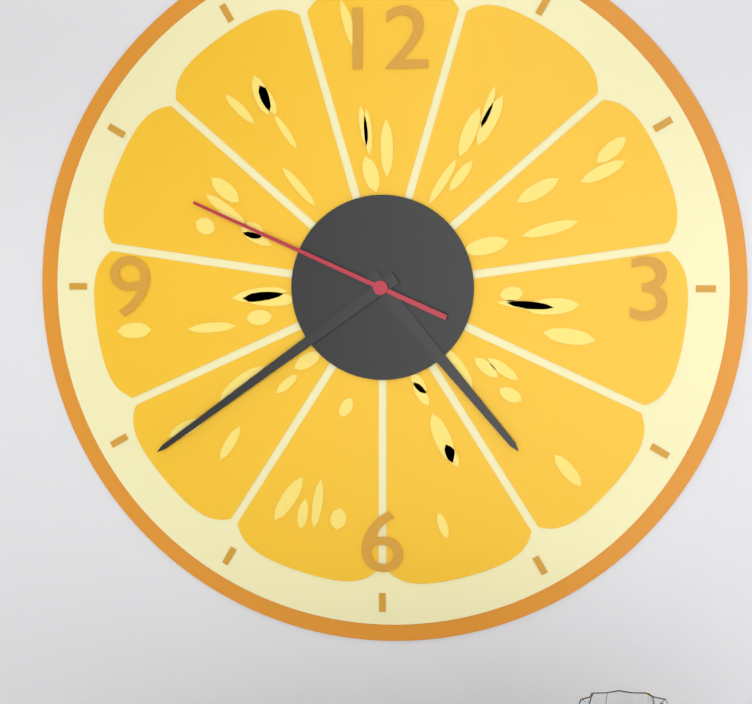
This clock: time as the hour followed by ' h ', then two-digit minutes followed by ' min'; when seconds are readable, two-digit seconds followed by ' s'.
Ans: 4 h 39 min 49 s
